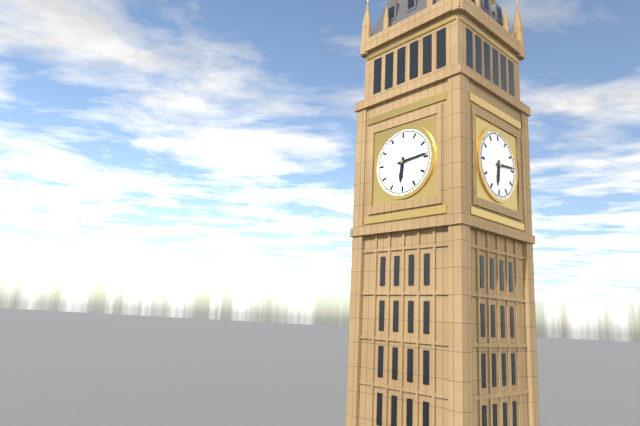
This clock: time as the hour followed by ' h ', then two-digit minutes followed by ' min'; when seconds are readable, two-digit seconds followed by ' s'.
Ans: 6 h 14 min
